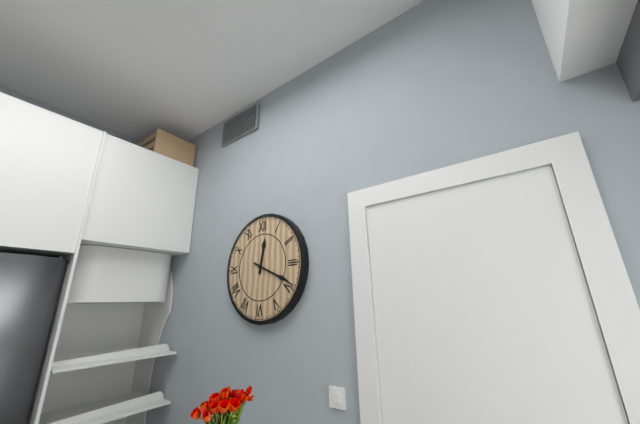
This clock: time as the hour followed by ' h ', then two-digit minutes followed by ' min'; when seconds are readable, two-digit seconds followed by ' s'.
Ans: 12 h 19 min
